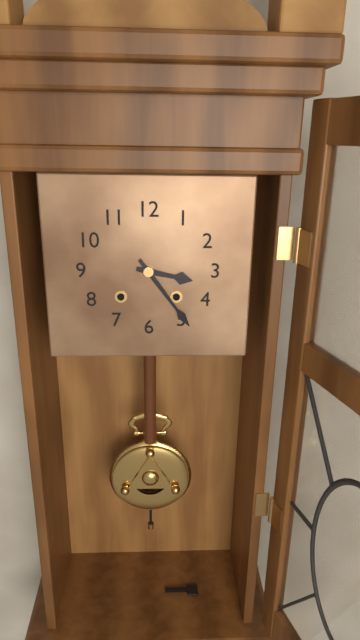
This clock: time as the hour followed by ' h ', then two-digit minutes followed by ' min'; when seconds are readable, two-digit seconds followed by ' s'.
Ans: 3 h 24 min
